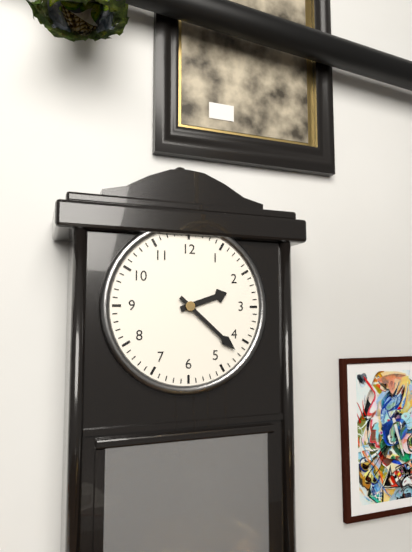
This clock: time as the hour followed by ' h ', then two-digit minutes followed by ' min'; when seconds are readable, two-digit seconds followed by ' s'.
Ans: 2 h 22 min
